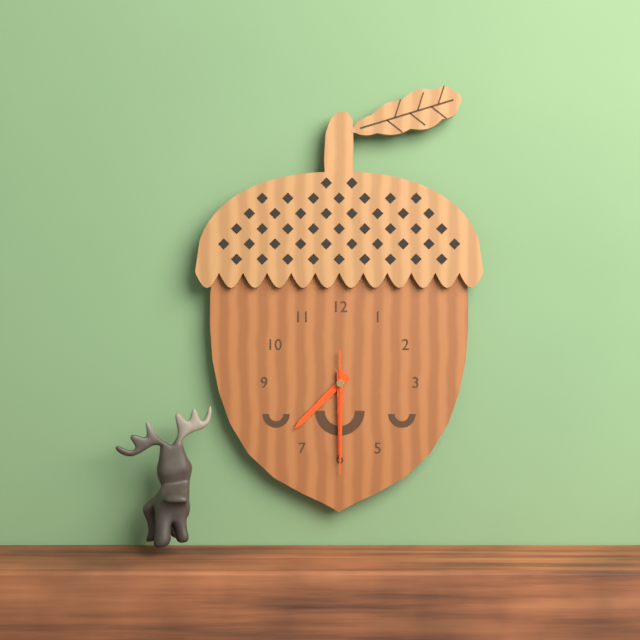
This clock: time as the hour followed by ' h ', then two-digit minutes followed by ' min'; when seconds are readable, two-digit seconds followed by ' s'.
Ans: 7 h 30 min 30 s
